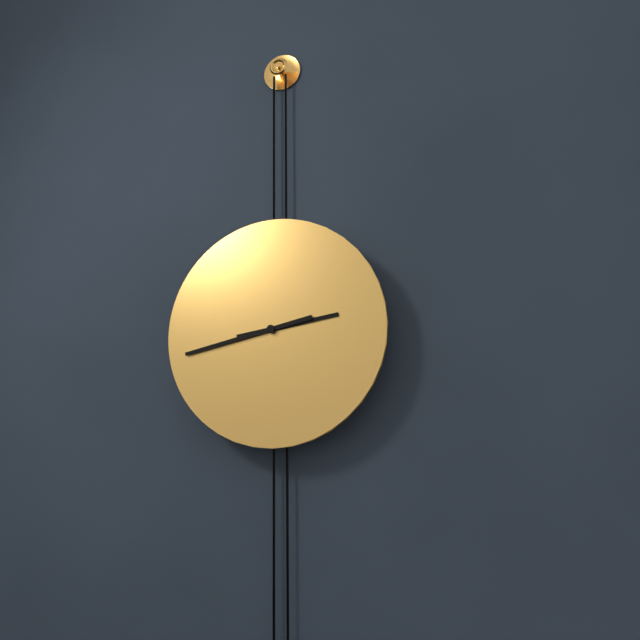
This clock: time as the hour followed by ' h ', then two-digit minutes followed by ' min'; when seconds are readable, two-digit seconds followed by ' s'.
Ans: 2 h 43 min
